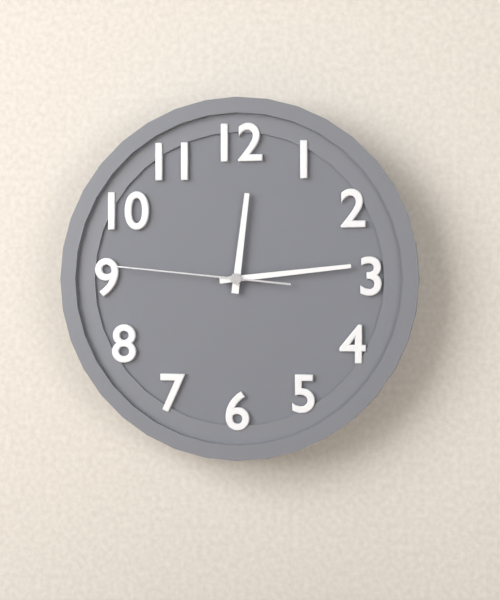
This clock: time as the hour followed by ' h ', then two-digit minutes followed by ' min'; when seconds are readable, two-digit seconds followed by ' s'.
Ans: 12 h 14 min 46 s
